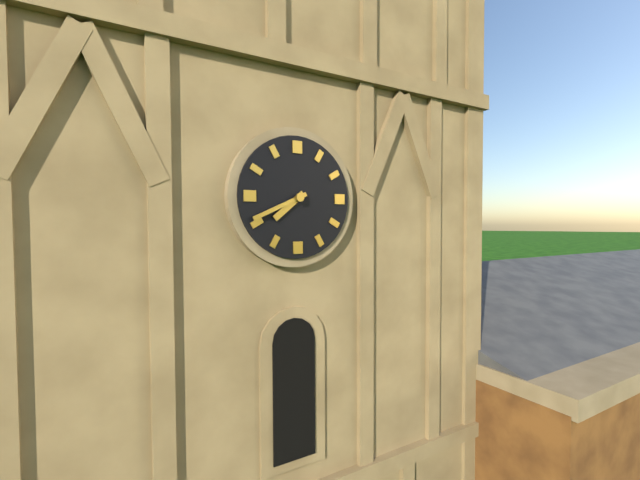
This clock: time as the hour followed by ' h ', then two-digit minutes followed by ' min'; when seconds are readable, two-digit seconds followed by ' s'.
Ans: 7 h 41 min
